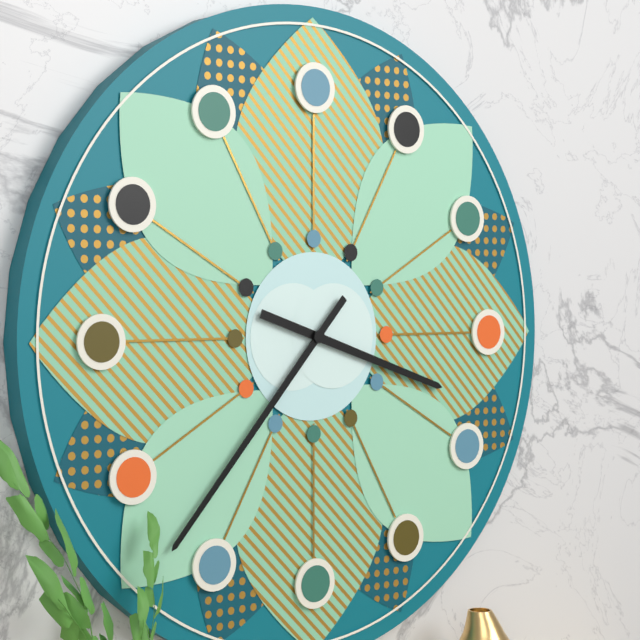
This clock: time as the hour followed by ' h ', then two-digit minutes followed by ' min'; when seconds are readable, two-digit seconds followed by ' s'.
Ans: 3 h 37 min
